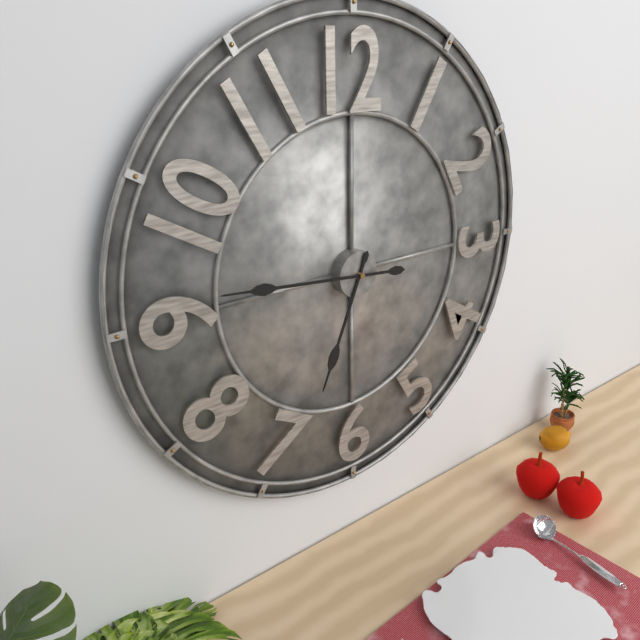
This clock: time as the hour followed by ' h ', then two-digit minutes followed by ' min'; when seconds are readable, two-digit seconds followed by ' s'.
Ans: 6 h 46 min
